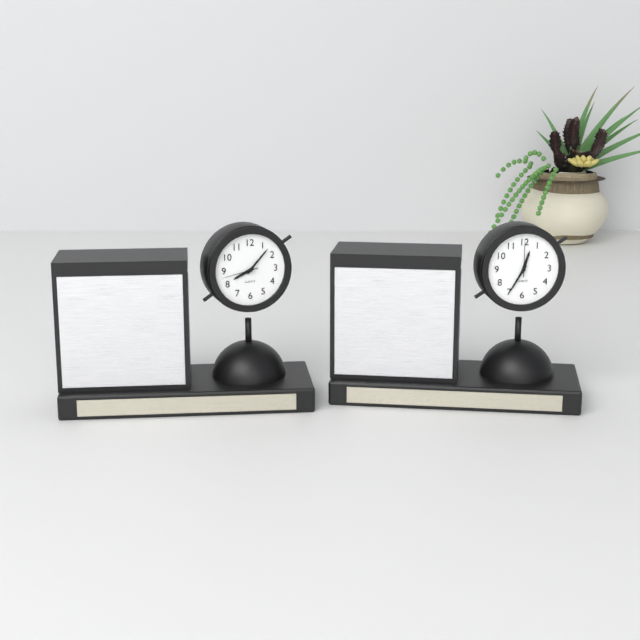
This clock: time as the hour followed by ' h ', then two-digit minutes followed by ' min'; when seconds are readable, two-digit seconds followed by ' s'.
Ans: 8 h 07 min
